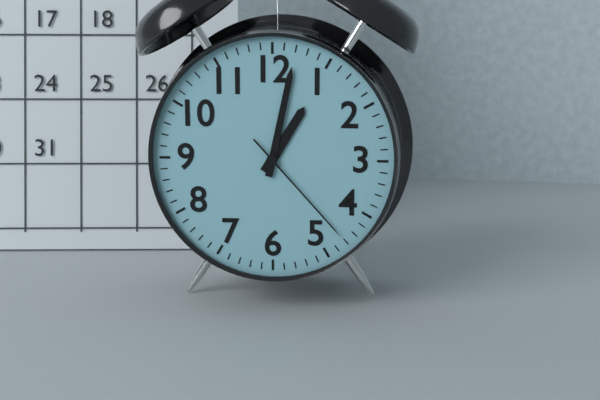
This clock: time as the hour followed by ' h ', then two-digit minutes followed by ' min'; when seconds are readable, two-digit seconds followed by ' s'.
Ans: 1 h 02 min 23 s
